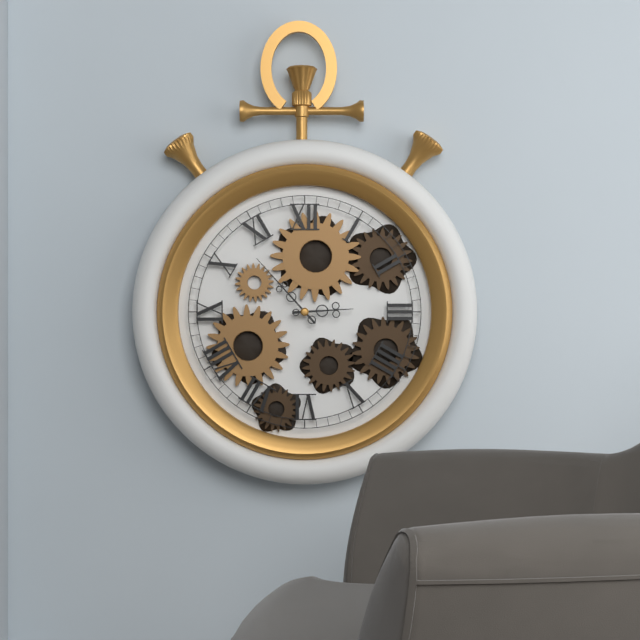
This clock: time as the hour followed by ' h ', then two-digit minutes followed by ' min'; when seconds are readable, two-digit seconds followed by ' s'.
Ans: 2 h 53 min
